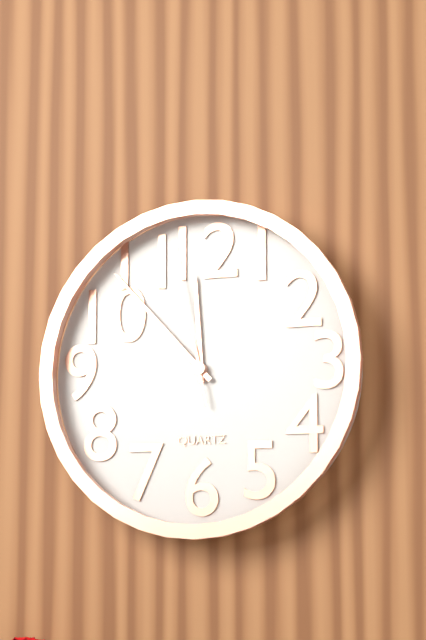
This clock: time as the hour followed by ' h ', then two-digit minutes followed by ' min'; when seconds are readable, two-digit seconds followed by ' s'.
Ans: 11 h 53 min 58 s
